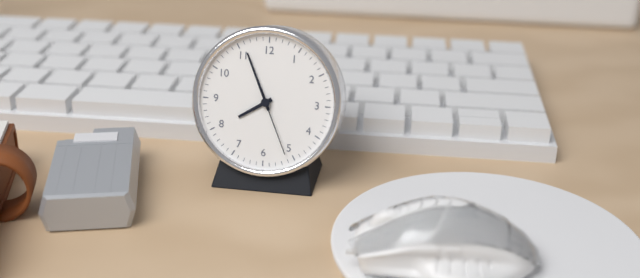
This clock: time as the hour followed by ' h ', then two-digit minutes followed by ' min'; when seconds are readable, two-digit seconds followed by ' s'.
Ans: 7 h 56 min 26 s
